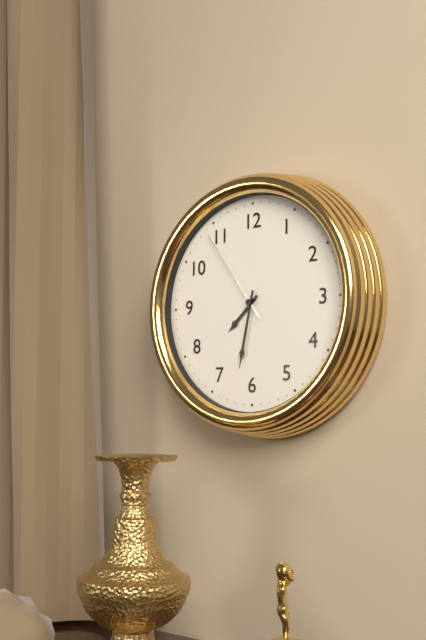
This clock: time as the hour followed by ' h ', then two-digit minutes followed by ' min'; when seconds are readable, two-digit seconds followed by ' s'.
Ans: 7 h 32 min 54 s
